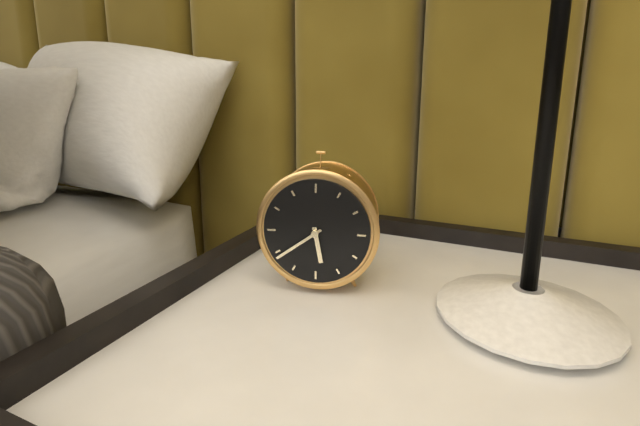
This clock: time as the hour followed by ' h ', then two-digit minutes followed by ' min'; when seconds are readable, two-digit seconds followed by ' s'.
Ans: 5 h 39 min
